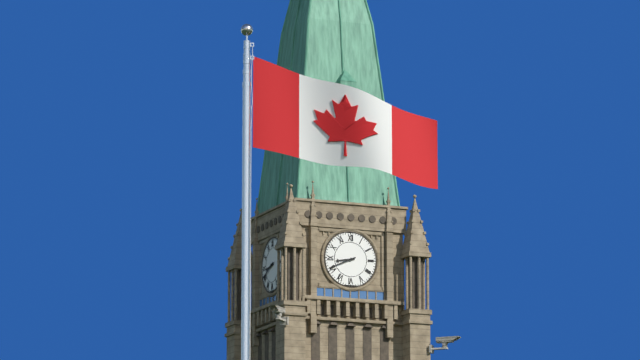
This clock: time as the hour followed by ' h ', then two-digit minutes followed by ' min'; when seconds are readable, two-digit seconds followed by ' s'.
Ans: 8 h 41 min
